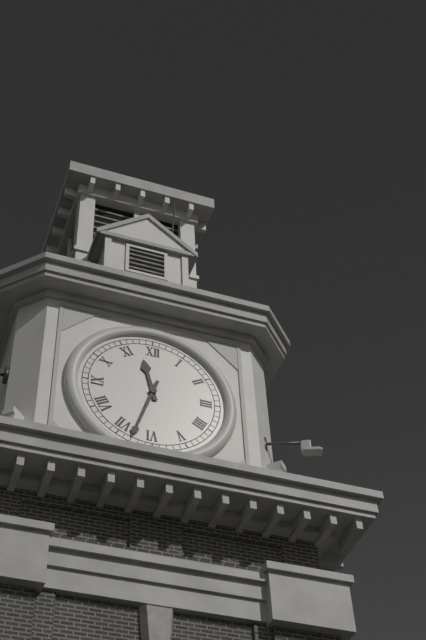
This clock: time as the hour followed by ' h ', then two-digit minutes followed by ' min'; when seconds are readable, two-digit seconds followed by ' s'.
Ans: 11 h 33 min
